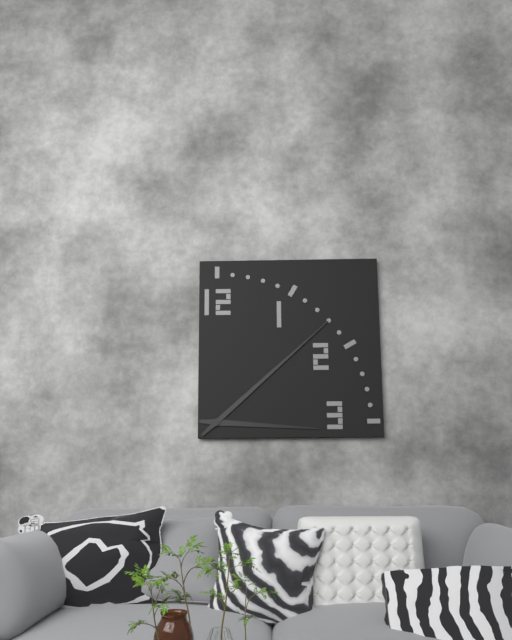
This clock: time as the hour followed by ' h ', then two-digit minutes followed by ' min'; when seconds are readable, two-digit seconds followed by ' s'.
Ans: 3 h 08 min
